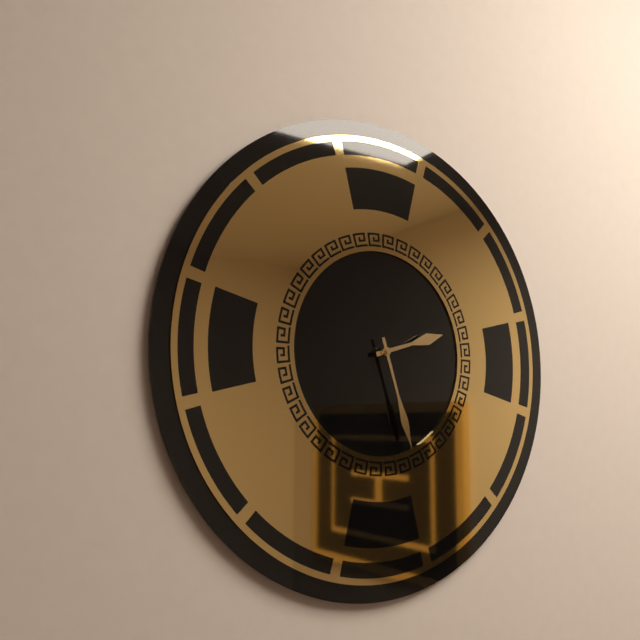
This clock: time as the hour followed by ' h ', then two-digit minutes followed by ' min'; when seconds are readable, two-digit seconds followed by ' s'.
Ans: 2 h 27 min
